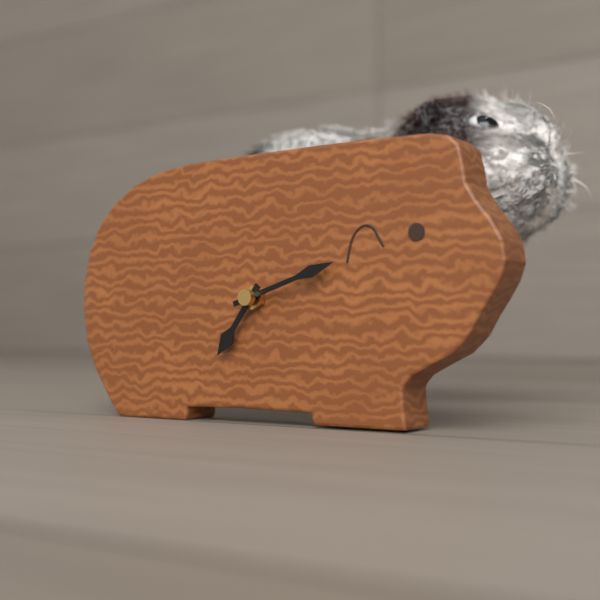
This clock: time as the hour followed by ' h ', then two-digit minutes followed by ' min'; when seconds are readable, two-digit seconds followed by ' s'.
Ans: 7 h 12 min
